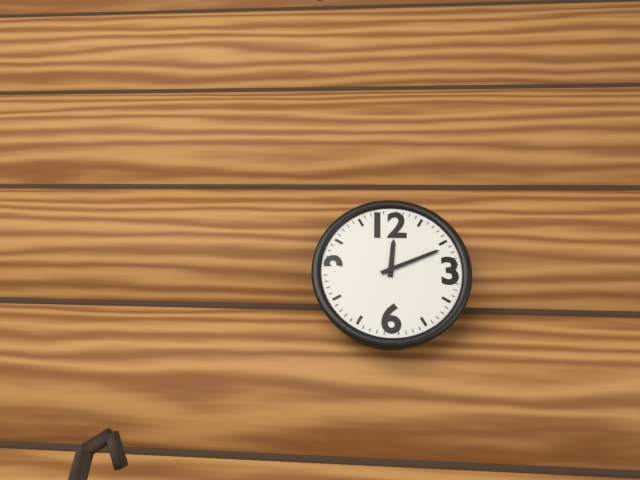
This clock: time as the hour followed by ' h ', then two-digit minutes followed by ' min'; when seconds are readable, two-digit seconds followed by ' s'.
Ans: 12 h 11 min
